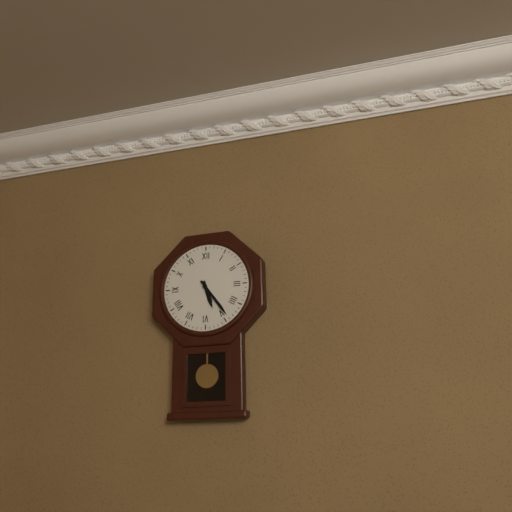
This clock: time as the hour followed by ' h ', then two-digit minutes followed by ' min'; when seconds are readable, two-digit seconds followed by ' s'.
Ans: 5 h 24 min
